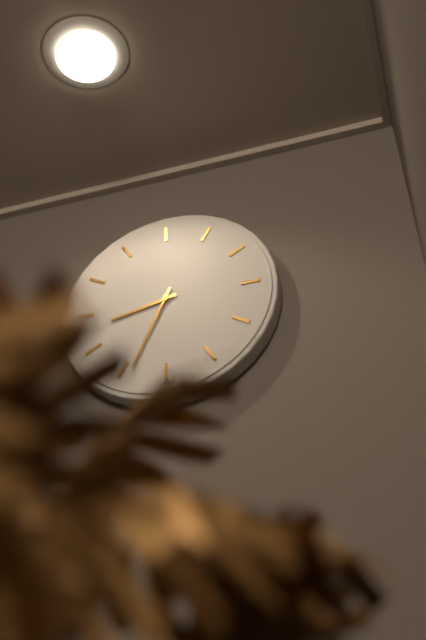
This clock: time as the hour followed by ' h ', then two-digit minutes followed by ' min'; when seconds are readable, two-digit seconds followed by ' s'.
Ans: 8 h 34 min
